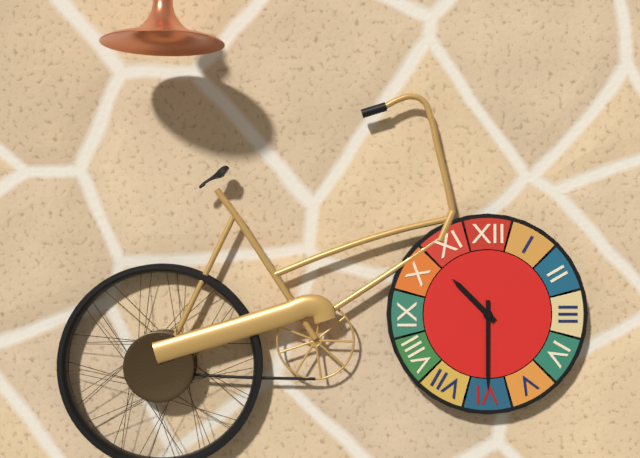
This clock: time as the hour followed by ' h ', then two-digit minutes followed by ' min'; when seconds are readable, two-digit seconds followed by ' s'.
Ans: 10 h 30 min
